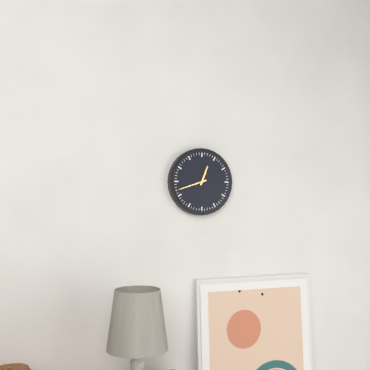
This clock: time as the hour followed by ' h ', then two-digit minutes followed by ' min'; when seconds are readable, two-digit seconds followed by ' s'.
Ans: 12 h 42 min
